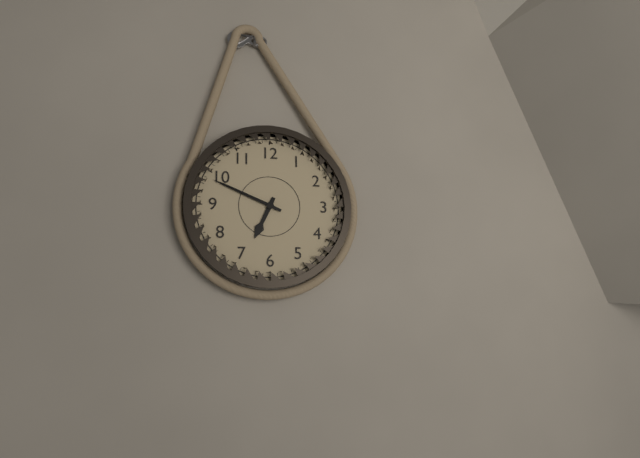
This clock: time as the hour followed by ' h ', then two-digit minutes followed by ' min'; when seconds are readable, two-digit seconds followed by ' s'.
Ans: 6 h 49 min
